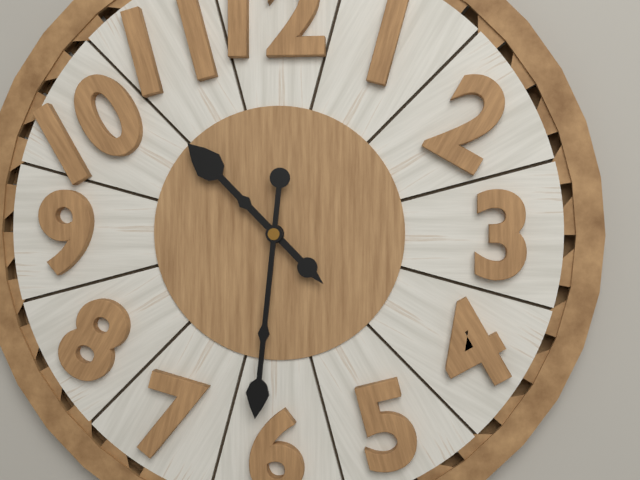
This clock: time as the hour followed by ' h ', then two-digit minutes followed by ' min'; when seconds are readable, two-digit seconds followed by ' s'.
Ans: 10 h 31 min
